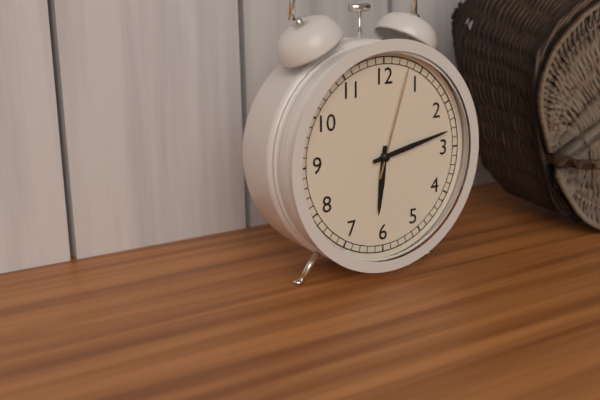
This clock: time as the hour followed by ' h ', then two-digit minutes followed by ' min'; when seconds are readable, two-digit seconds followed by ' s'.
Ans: 6 h 13 min 03 s
